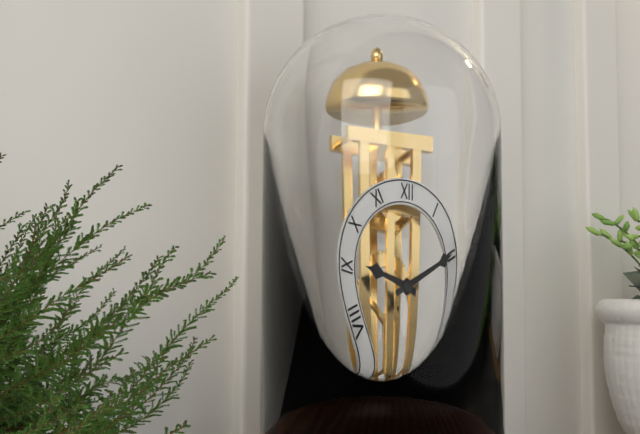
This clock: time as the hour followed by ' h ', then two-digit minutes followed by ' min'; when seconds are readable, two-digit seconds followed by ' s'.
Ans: 9 h 10 min
